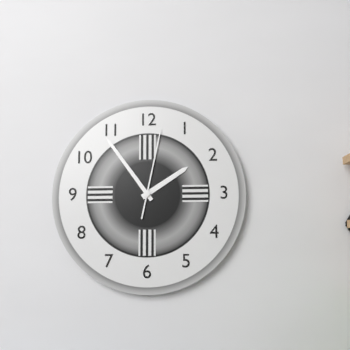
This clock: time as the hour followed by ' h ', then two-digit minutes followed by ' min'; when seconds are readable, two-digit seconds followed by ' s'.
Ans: 1 h 54 min 02 s
